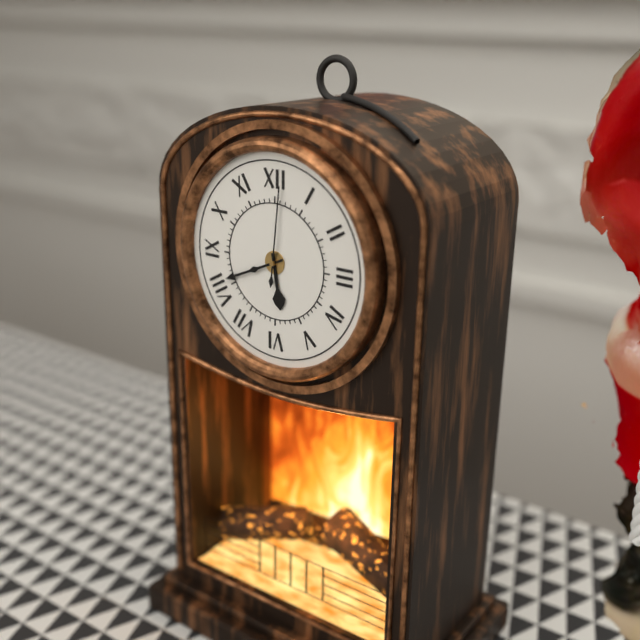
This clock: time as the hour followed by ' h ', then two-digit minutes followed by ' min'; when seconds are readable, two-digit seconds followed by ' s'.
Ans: 5 h 41 min 01 s
